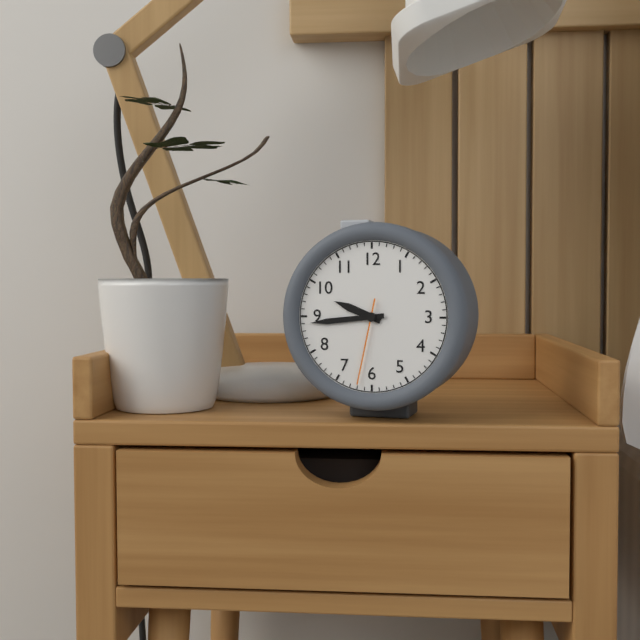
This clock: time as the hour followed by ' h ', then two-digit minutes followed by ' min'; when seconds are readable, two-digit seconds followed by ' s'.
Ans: 9 h 44 min 32 s
